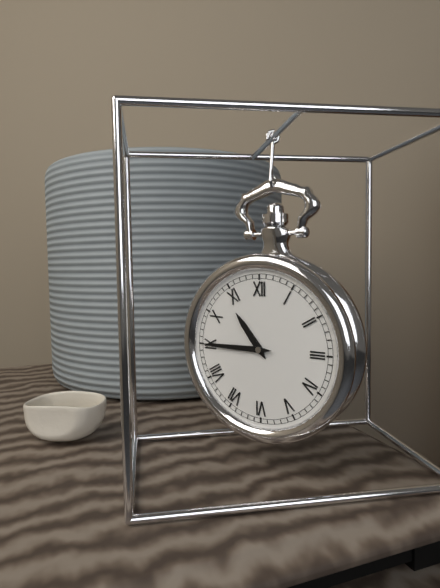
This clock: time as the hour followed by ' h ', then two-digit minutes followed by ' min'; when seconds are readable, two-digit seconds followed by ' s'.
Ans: 10 h 45 min
